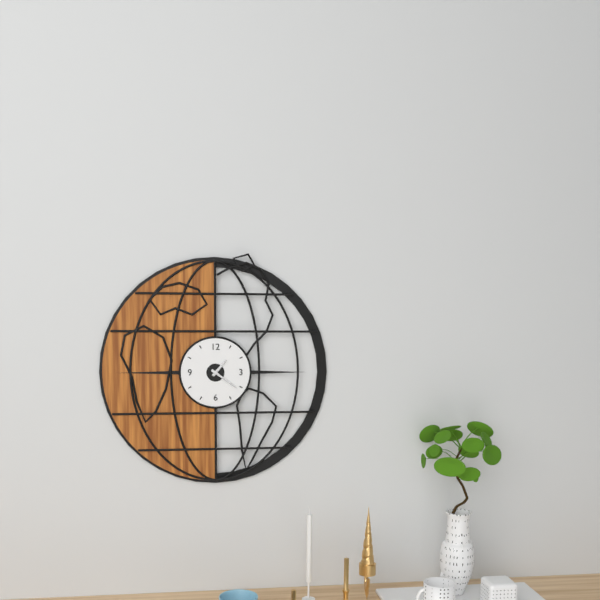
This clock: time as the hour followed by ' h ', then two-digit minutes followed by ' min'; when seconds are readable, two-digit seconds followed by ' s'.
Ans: 1 h 21 min
